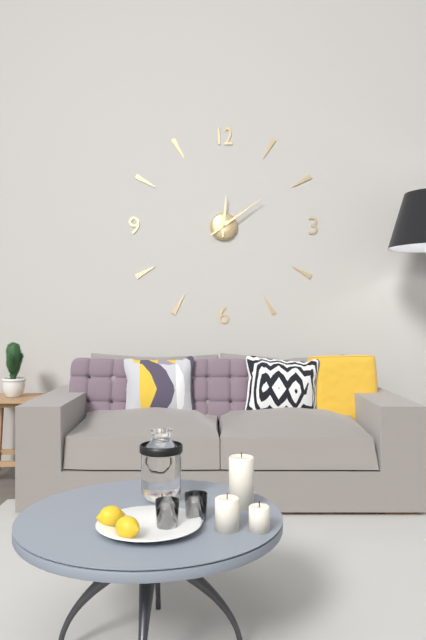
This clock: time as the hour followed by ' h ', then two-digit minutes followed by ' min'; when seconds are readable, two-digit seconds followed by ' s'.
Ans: 12 h 09 min
